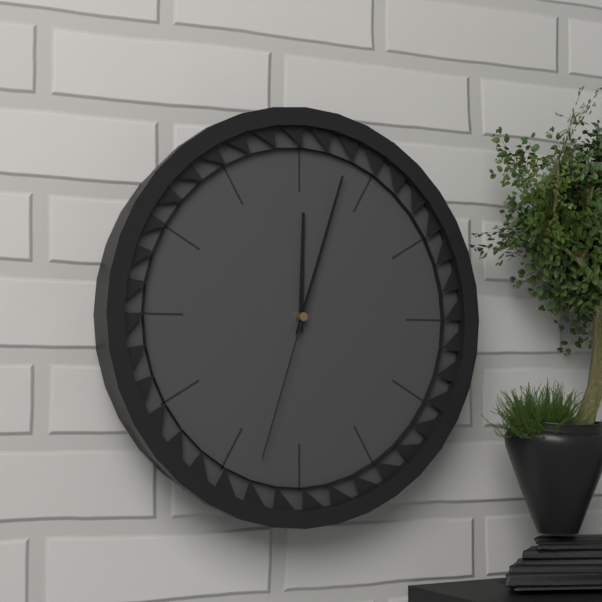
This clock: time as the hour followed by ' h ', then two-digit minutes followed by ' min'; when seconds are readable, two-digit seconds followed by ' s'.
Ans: 12 h 03 min 33 s
